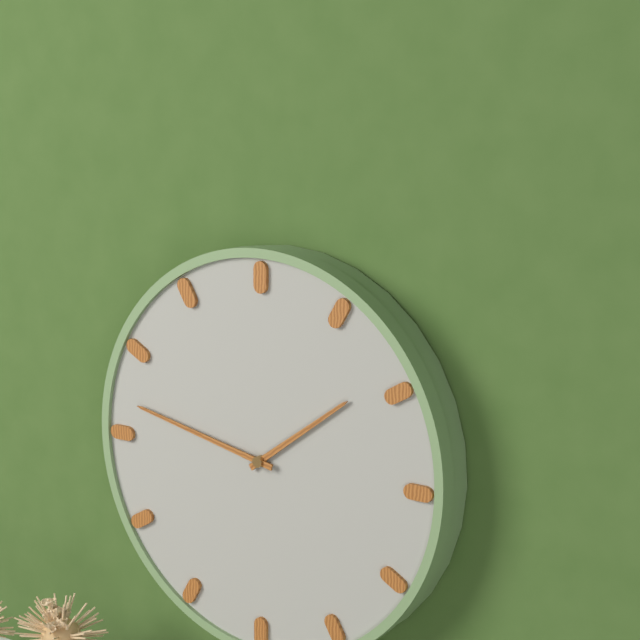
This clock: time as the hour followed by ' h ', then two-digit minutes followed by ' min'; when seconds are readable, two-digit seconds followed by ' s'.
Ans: 1 h 47 min
